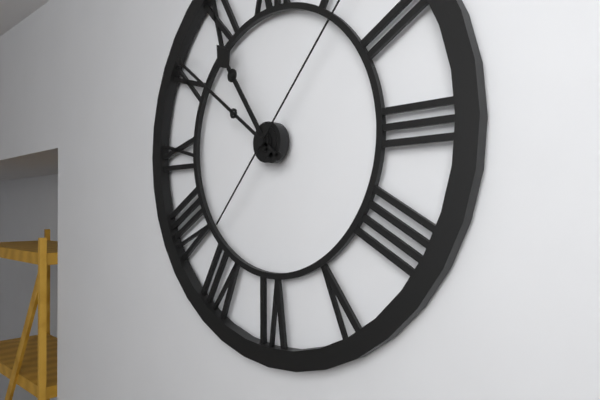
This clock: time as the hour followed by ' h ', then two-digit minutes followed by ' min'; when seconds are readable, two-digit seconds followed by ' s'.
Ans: 10 h 51 min
